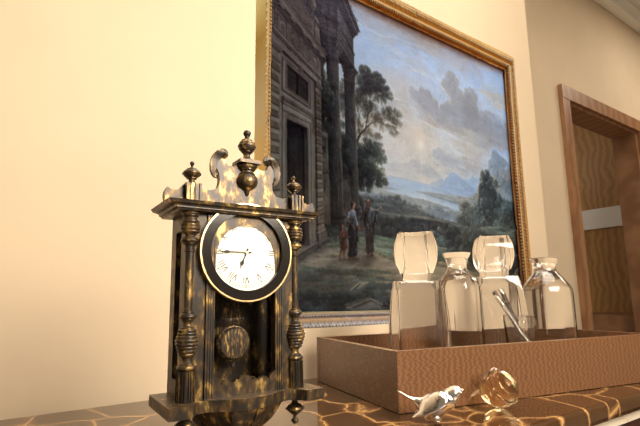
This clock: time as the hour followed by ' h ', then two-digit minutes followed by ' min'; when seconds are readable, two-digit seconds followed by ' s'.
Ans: 6 h 45 min
